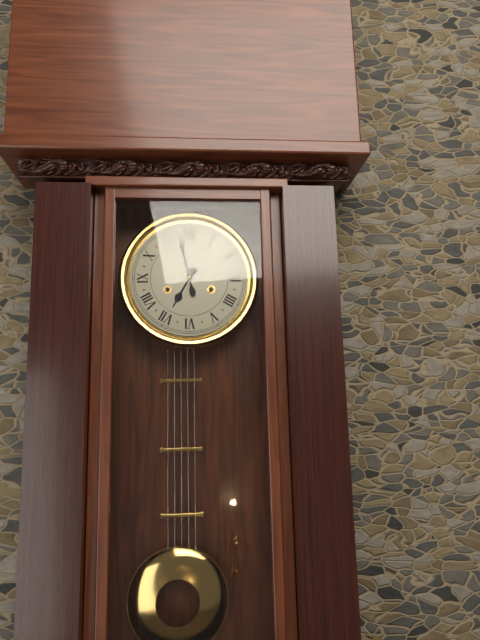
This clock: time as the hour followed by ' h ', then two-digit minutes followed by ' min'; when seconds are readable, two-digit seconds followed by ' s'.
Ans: 6 h 58 min
